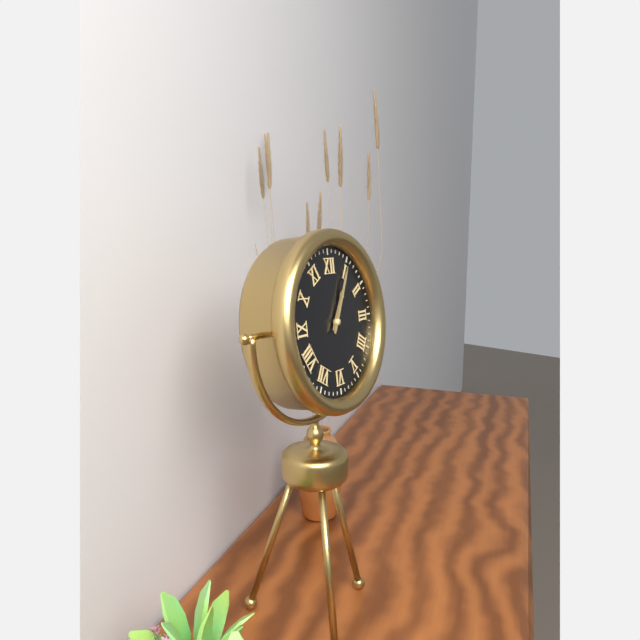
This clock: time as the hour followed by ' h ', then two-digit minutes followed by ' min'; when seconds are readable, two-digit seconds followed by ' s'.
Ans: 1 h 05 min
